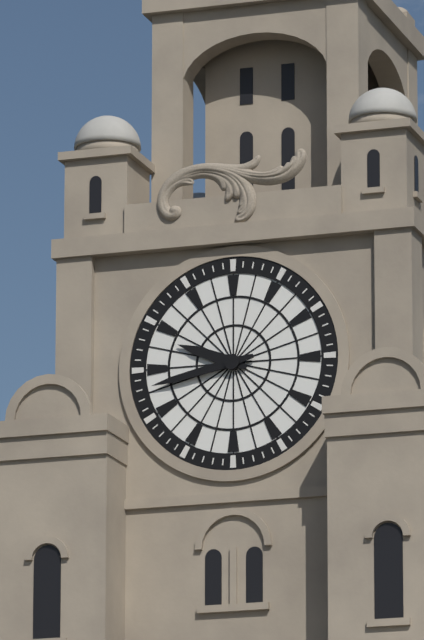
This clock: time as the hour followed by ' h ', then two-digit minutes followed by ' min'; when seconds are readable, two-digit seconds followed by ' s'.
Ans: 9 h 43 min
